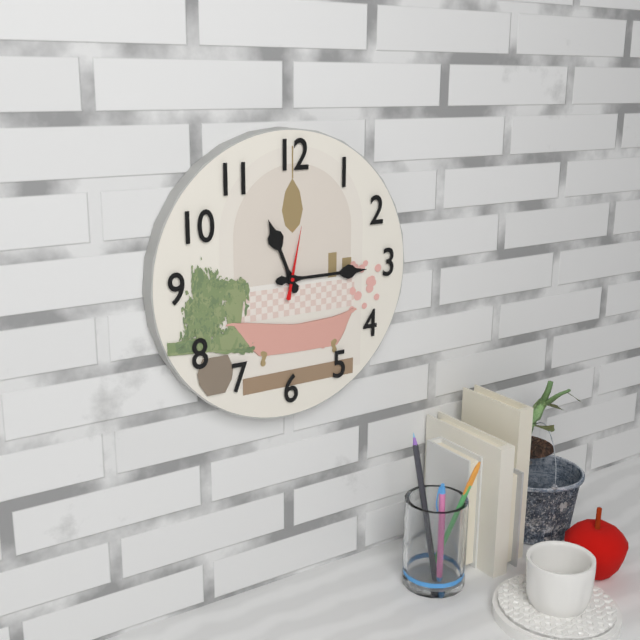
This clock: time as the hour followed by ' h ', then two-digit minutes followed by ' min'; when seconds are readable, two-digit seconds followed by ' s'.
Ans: 11 h 15 min 02 s
